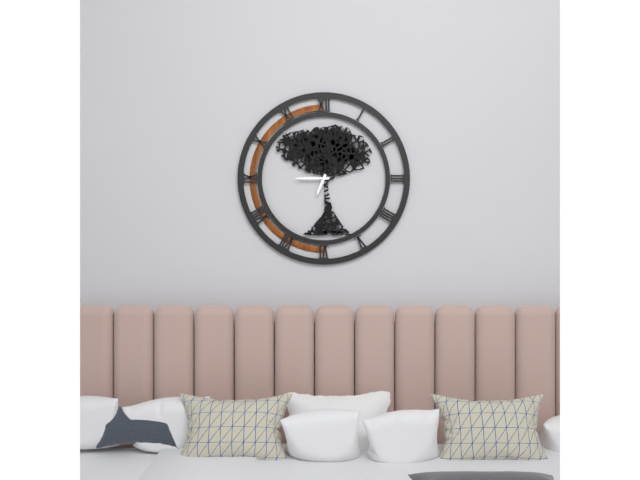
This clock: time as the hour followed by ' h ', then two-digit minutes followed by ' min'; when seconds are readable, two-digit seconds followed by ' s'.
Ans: 6 h 45 min
